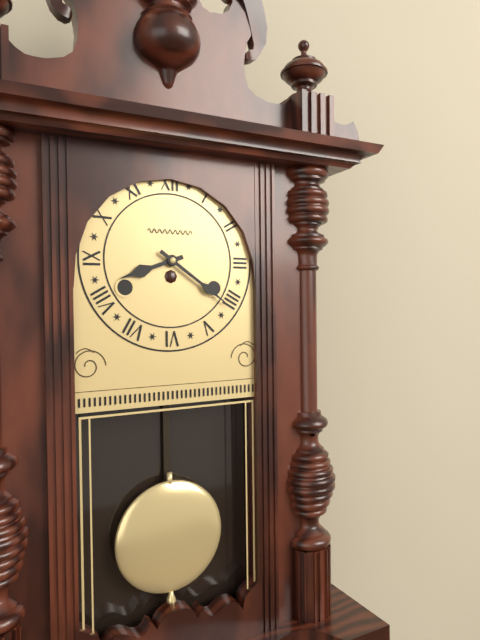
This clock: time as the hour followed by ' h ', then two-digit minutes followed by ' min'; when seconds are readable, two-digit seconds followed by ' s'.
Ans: 8 h 21 min
